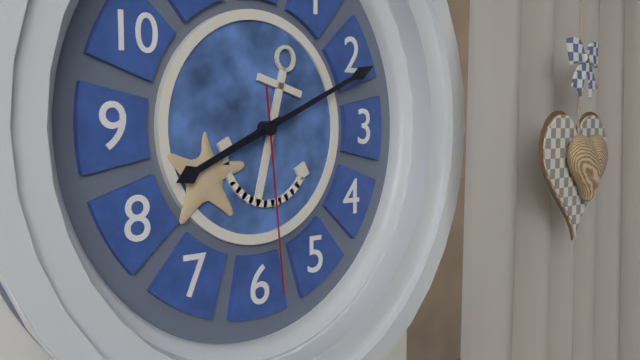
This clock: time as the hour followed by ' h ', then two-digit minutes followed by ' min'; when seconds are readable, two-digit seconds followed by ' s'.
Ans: 8 h 11 min 29 s
